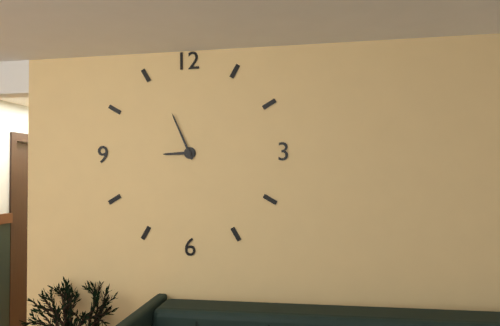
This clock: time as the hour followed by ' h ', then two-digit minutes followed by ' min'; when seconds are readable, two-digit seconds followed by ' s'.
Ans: 8 h 56 min
